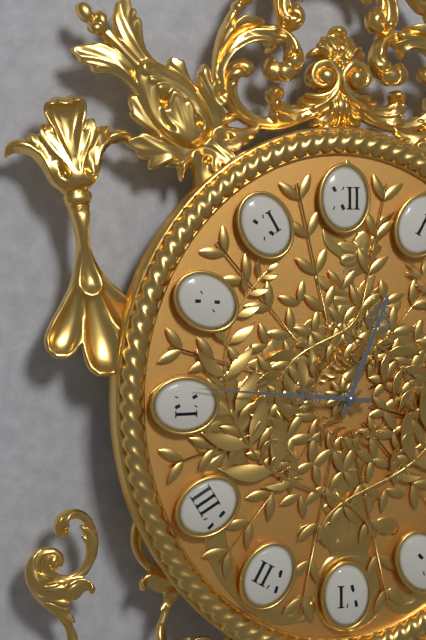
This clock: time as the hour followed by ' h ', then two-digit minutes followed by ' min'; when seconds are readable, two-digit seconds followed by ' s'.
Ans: 12 h 46 min
